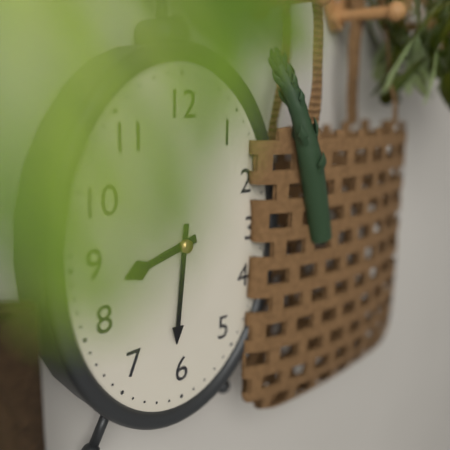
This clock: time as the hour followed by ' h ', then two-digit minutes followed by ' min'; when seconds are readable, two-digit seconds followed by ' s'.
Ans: 8 h 31 min
